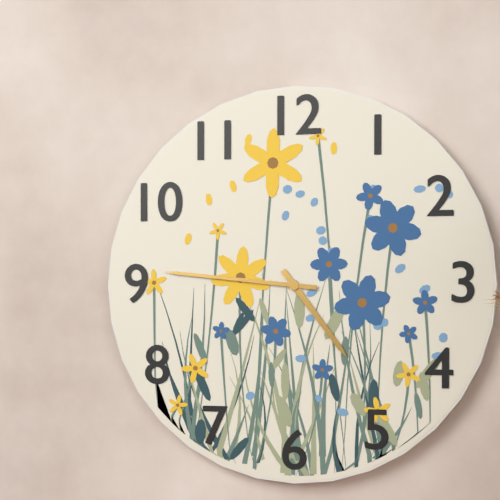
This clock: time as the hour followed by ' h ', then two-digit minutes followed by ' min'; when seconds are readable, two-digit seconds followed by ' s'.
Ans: 4 h 46 min
